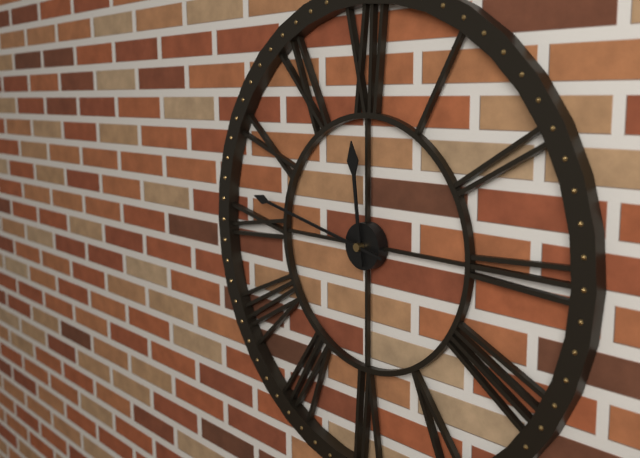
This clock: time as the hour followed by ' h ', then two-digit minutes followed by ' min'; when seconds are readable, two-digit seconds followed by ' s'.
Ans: 11 h 47 min
